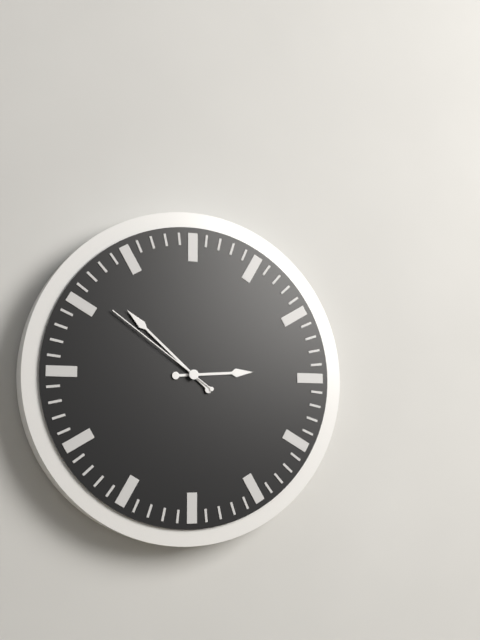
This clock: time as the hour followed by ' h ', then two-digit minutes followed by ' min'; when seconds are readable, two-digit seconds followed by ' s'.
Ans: 2 h 52 min 51 s
